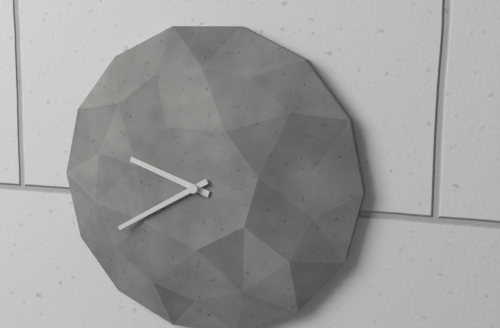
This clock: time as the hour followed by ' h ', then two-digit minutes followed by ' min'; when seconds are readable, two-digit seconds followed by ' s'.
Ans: 9 h 40 min
